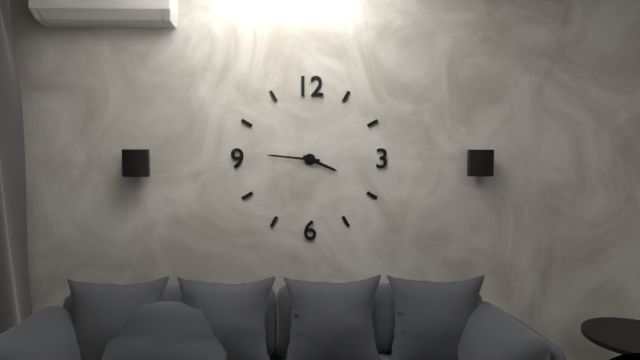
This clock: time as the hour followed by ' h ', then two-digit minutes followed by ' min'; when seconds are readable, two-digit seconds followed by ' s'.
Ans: 3 h 46 min
